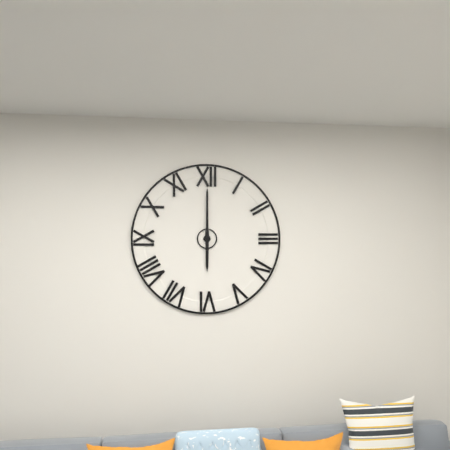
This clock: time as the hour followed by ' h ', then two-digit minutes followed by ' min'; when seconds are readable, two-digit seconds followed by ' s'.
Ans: 6 h 00 min
